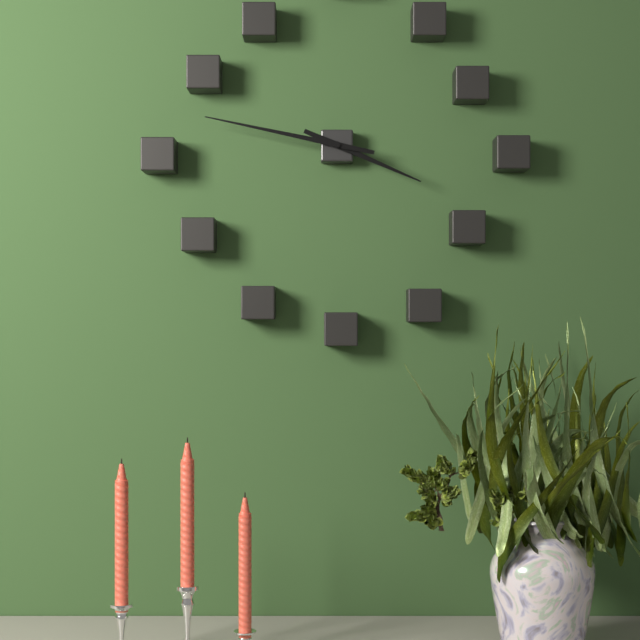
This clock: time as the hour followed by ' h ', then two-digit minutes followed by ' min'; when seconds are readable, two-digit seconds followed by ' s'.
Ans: 3 h 47 min
